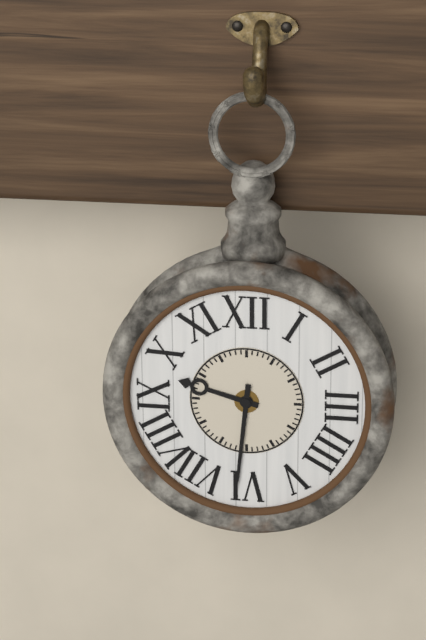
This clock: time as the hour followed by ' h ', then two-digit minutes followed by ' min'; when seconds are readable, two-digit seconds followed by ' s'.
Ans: 9 h 31 min
